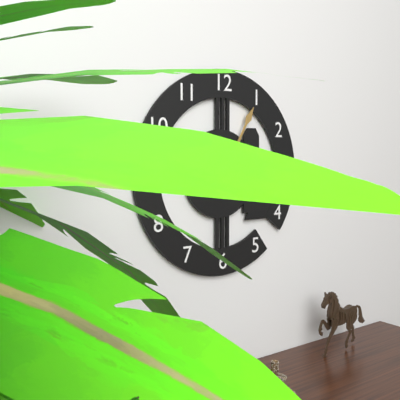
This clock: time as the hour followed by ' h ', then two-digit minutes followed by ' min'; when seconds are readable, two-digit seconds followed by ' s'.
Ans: 4 h 05 min 14 s
